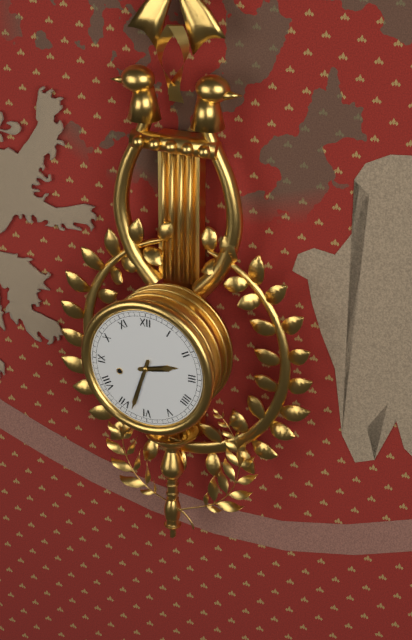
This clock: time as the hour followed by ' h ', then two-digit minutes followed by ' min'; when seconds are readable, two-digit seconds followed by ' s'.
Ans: 2 h 33 min
